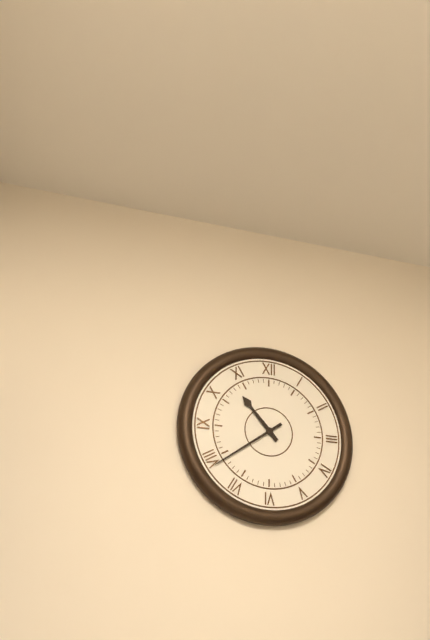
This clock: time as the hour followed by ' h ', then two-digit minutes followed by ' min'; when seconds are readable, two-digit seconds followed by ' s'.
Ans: 10 h 39 min
